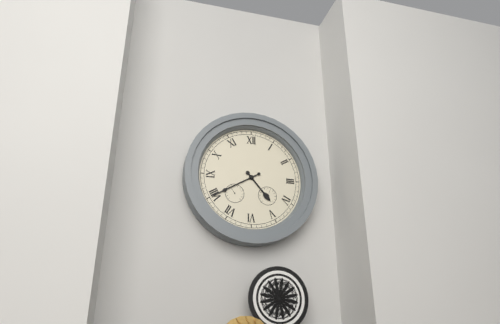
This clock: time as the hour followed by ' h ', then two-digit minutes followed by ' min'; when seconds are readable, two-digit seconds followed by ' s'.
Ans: 4 h 40 min
